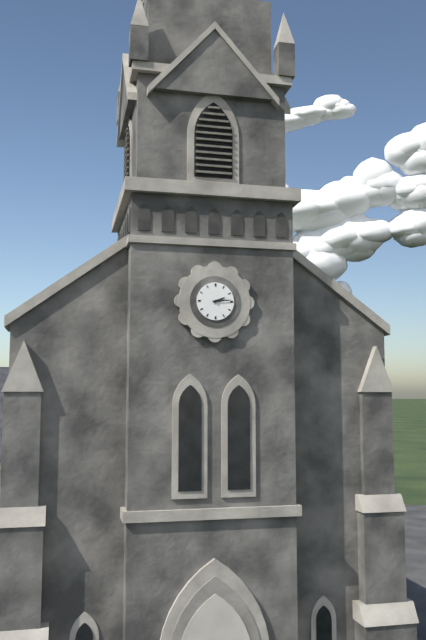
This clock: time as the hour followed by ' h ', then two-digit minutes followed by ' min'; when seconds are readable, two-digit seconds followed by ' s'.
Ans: 2 h 14 min
